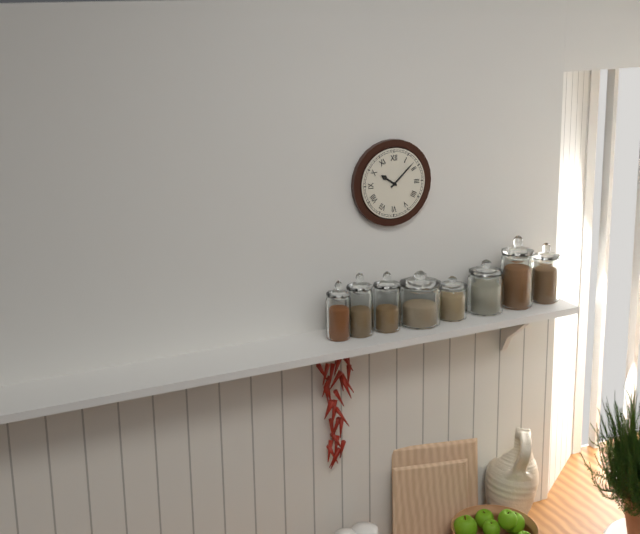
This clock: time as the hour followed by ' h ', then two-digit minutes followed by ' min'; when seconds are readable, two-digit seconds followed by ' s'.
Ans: 10 h 08 min
